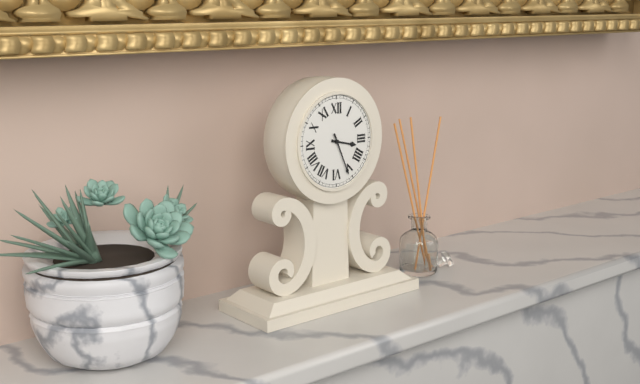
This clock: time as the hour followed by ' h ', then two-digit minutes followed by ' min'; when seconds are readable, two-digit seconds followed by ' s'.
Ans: 3 h 26 min
